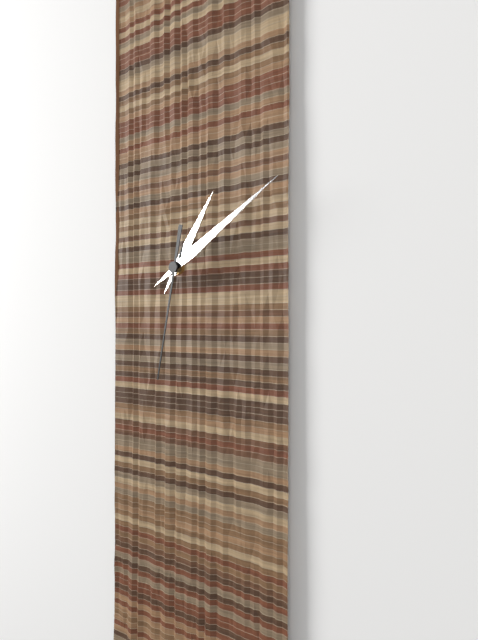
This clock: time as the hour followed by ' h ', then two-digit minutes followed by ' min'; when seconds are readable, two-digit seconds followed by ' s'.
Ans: 1 h 10 min 32 s
